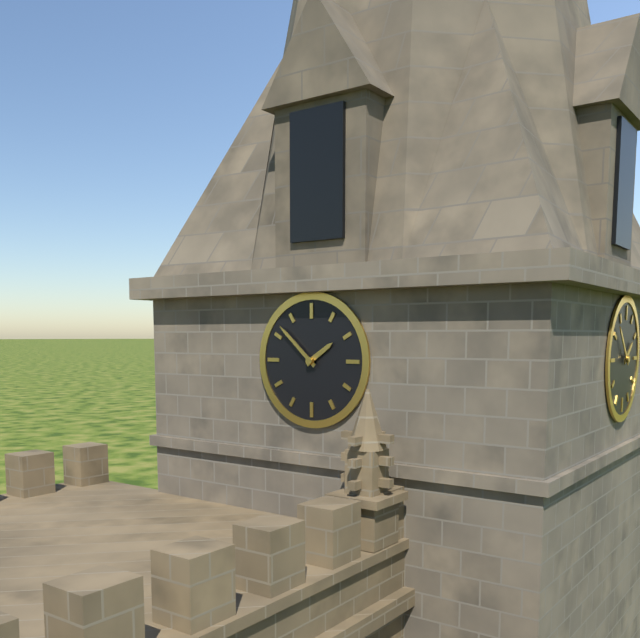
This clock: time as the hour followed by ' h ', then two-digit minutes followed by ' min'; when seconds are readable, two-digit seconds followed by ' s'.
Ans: 1 h 52 min
